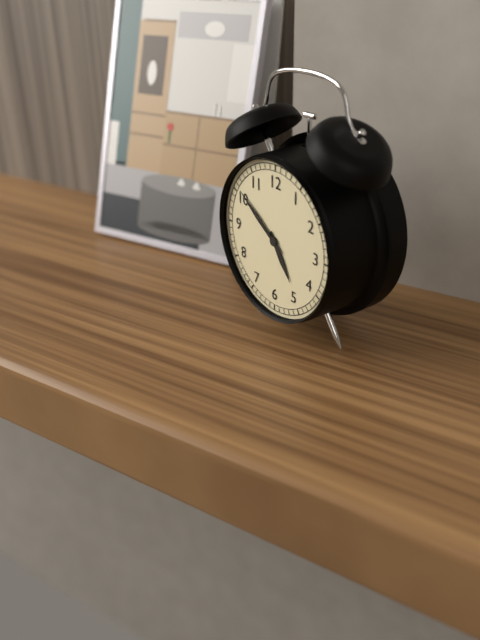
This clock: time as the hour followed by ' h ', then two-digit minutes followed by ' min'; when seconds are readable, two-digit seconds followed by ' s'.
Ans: 4 h 51 min
